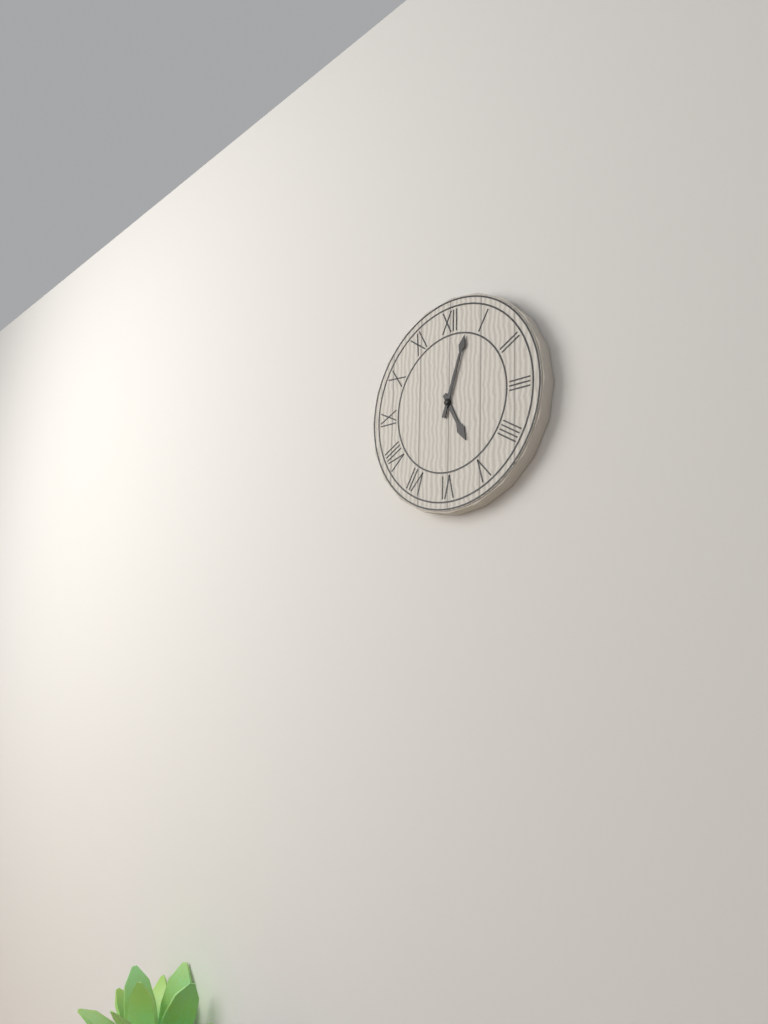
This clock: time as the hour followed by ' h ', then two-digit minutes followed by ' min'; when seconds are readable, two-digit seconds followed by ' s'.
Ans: 5 h 03 min
